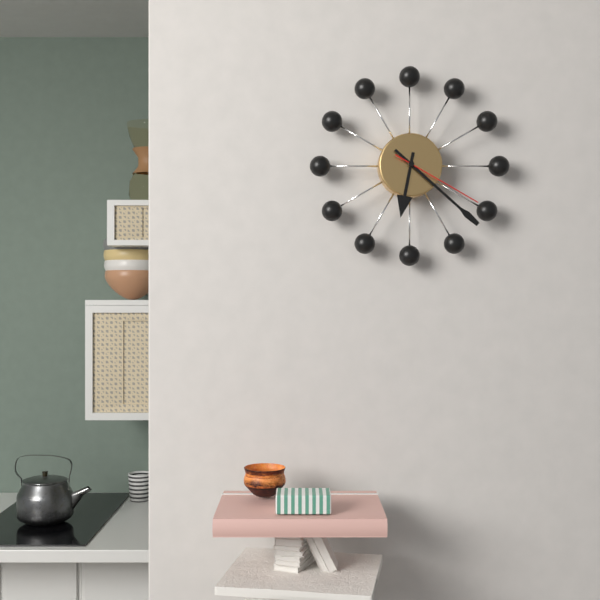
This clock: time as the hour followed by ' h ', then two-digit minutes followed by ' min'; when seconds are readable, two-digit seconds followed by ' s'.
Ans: 6 h 22 min 20 s
